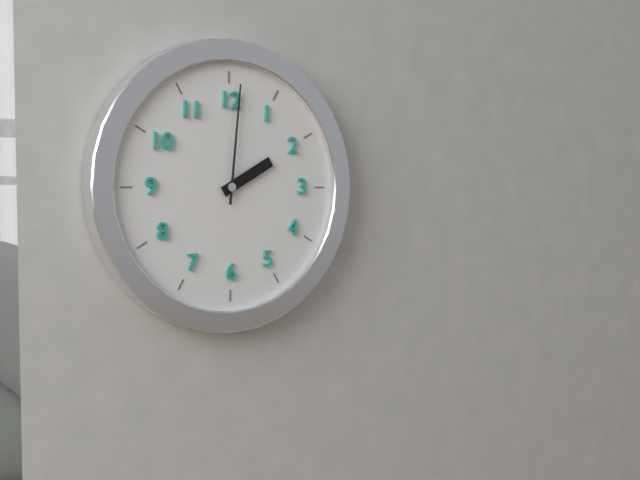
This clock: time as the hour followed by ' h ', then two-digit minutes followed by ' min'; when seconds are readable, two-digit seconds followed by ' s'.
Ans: 2 h 01 min
